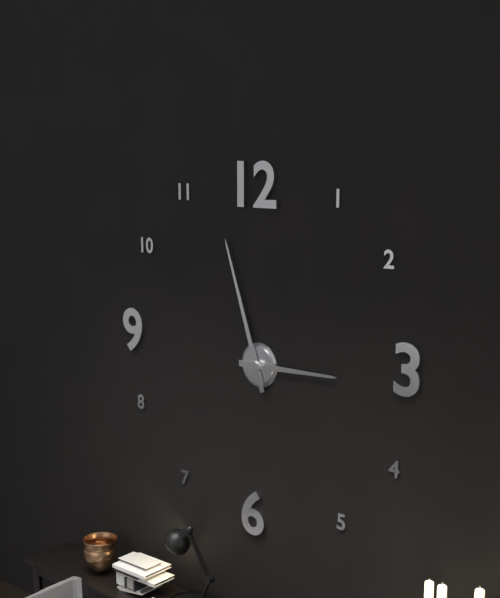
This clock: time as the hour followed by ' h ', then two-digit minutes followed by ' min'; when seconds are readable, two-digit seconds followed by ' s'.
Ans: 2 h 57 min
